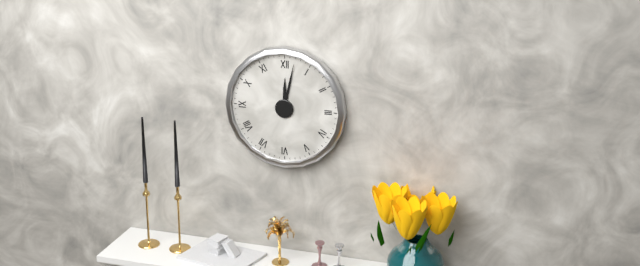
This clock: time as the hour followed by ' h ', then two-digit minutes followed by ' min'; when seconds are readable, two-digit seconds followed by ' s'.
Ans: 12 h 02 min
